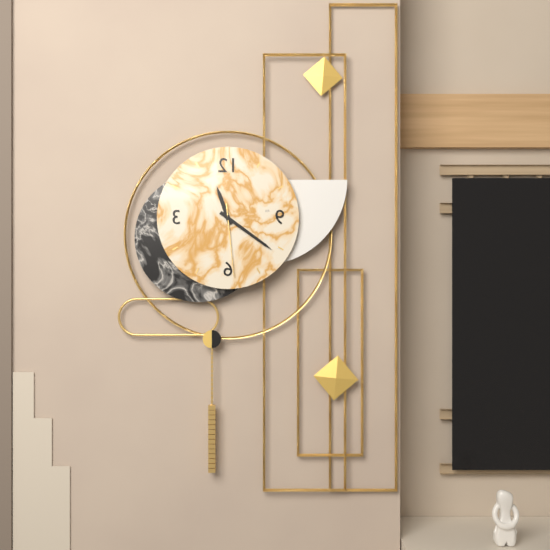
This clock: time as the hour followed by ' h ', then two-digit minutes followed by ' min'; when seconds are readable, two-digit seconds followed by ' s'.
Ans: 11 h 21 min 29 s
